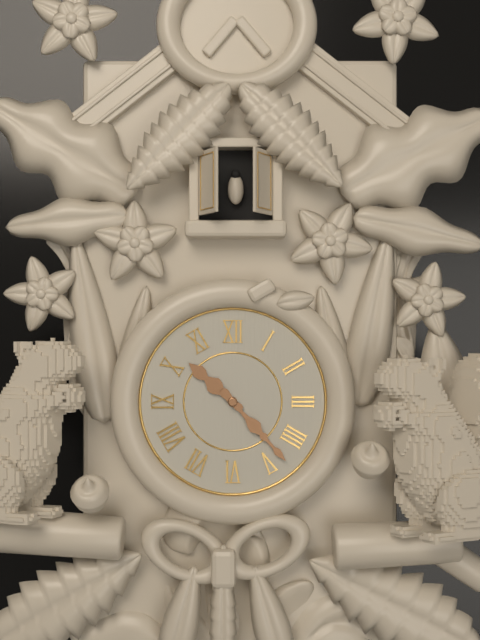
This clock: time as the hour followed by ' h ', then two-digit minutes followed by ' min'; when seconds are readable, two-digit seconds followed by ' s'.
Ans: 10 h 23 min
